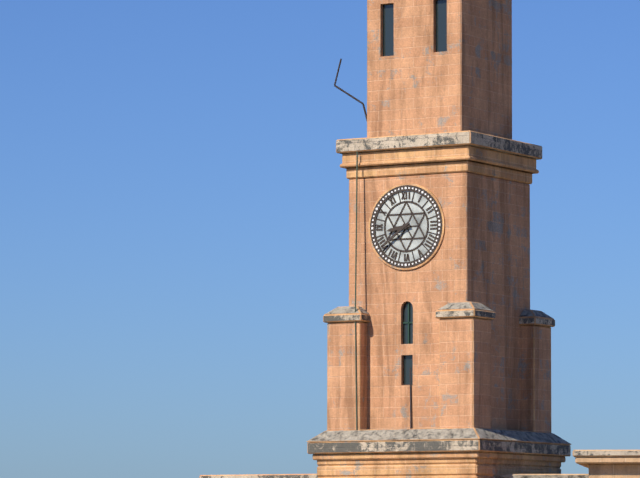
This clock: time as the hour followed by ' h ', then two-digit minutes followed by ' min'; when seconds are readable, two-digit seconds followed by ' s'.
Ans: 8 h 39 min
